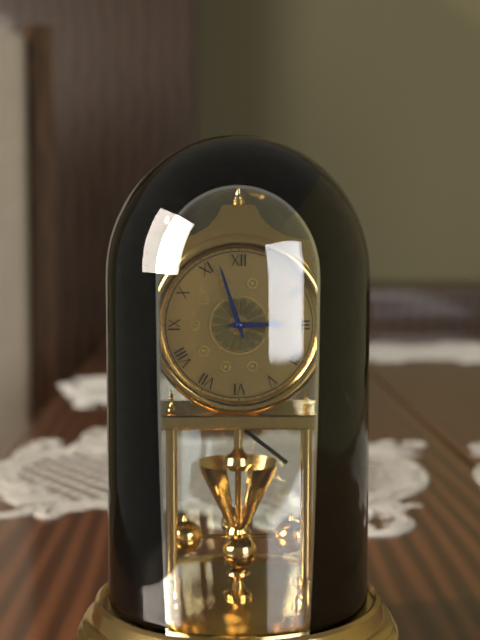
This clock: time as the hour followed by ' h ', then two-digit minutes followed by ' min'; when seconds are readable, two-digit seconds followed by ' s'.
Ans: 2 h 57 min
